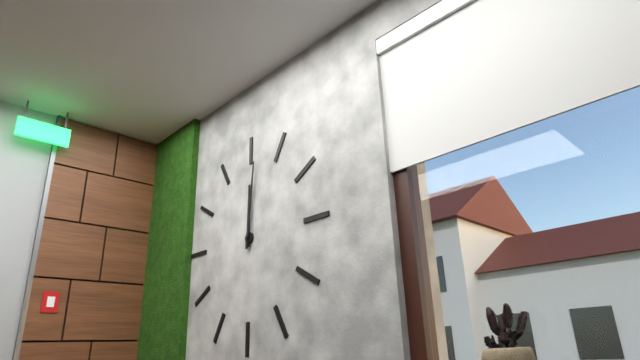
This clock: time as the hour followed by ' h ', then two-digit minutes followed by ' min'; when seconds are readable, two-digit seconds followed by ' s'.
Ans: 12 h 01 min
